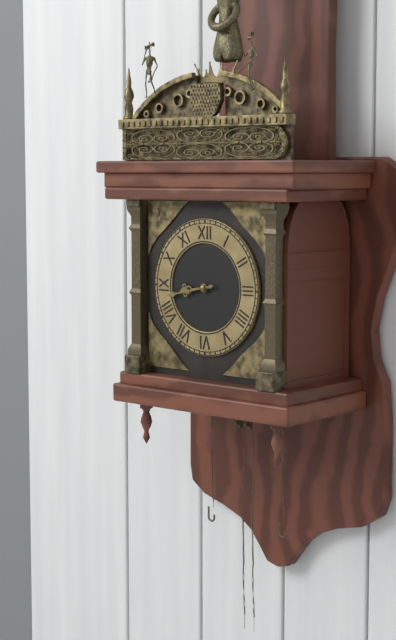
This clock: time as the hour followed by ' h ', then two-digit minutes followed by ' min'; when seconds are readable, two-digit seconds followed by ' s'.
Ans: 8 h 43 min
